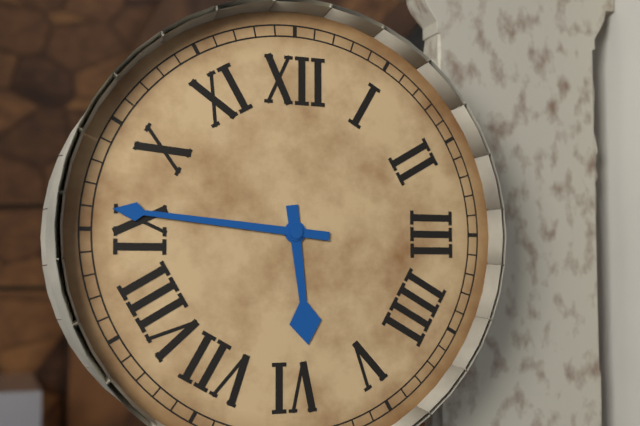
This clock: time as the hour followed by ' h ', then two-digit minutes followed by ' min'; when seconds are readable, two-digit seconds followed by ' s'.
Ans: 5 h 46 min
